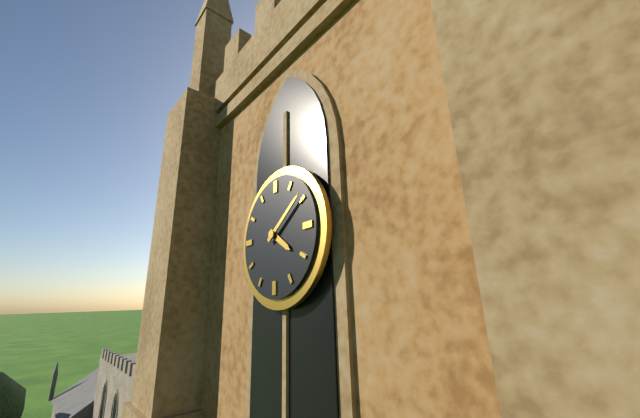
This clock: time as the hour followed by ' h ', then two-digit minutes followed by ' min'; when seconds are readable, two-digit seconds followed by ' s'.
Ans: 4 h 09 min
